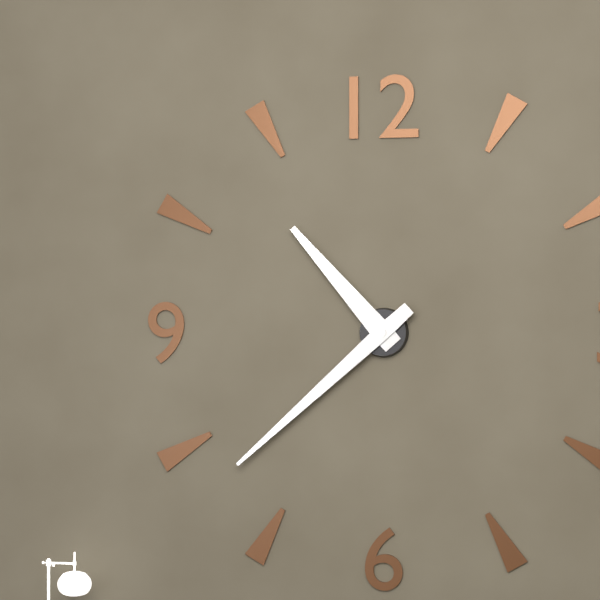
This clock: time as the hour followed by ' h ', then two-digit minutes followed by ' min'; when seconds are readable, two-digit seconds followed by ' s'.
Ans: 10 h 38 min
